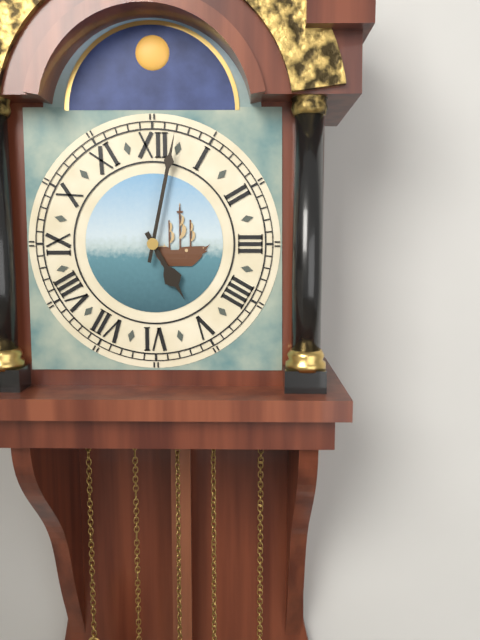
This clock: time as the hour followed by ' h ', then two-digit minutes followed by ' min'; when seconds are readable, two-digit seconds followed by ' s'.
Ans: 5 h 02 min
